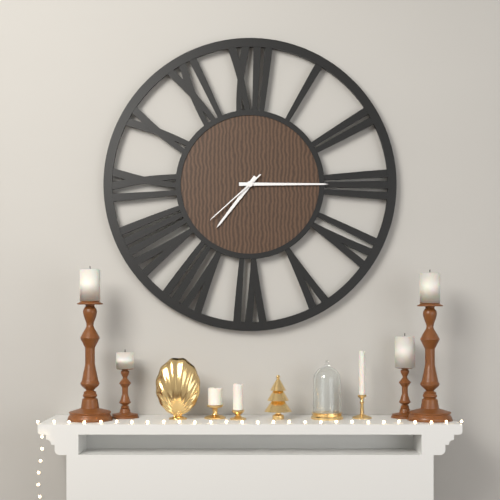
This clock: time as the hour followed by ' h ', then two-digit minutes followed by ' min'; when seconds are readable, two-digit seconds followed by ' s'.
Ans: 7 h 15 min 38 s
